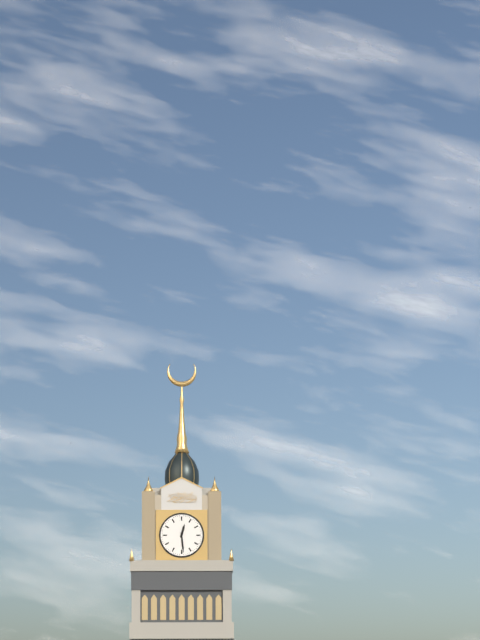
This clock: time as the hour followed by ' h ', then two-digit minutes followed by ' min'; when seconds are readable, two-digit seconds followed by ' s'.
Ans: 12 h 29 min
